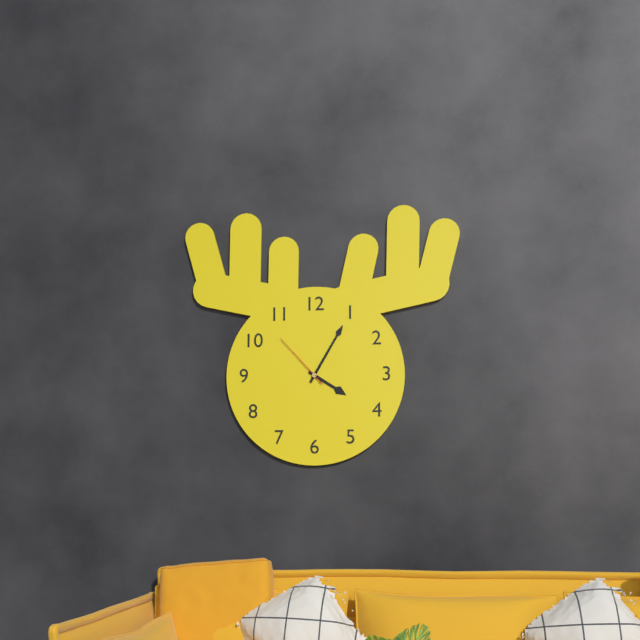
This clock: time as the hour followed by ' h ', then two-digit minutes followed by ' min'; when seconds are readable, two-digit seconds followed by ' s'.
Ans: 4 h 05 min 53 s
